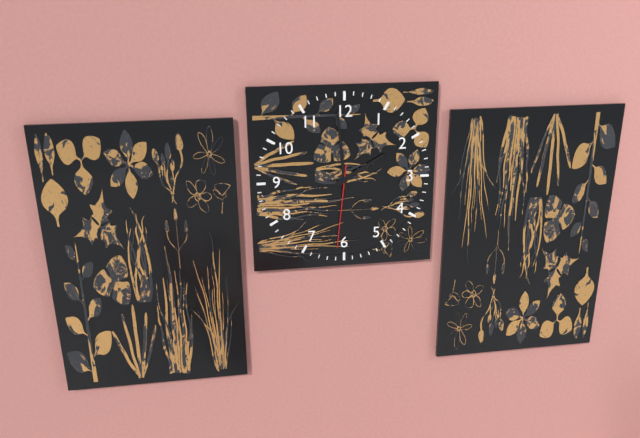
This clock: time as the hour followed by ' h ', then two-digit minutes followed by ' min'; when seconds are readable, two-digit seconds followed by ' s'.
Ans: 1 h 59 min 31 s
